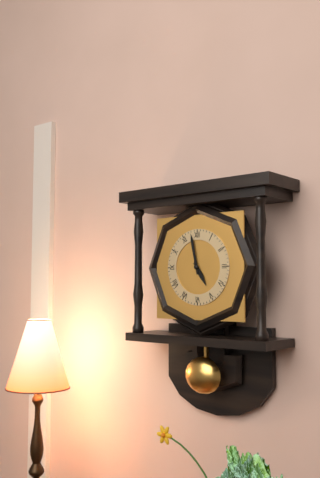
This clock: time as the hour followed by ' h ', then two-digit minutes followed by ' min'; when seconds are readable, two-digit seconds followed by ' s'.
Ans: 4 h 58 min
